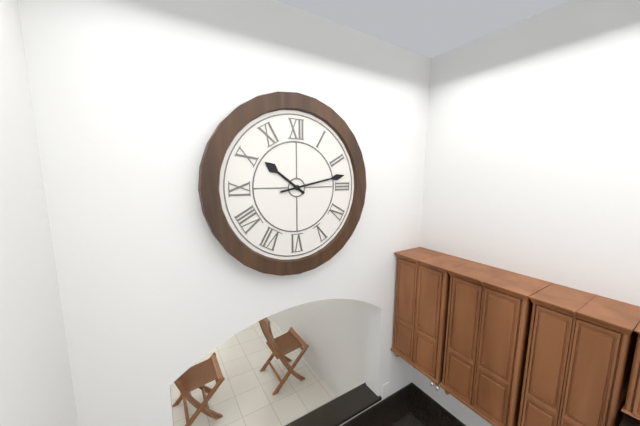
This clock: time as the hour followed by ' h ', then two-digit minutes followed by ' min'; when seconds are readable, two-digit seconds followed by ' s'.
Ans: 10 h 13 min
